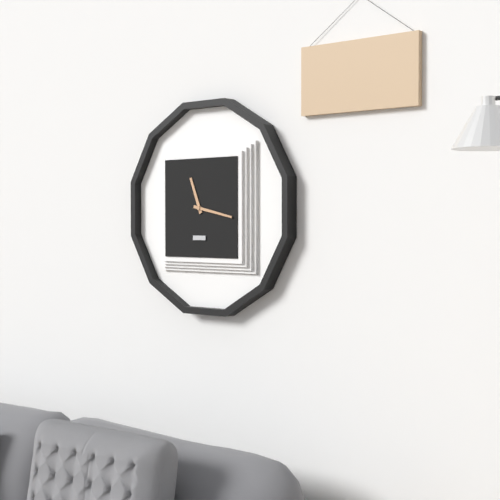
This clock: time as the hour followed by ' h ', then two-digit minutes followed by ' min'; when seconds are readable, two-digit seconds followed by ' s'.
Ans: 11 h 17 min
